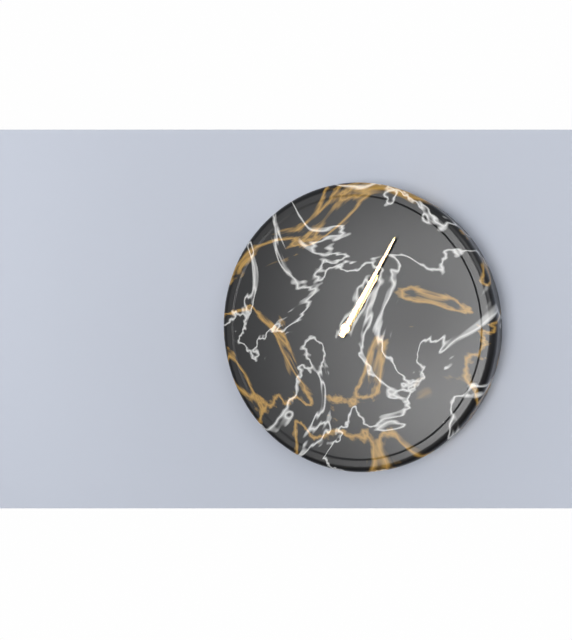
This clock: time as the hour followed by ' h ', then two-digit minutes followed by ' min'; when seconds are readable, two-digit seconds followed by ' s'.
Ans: 1 h 05 min
